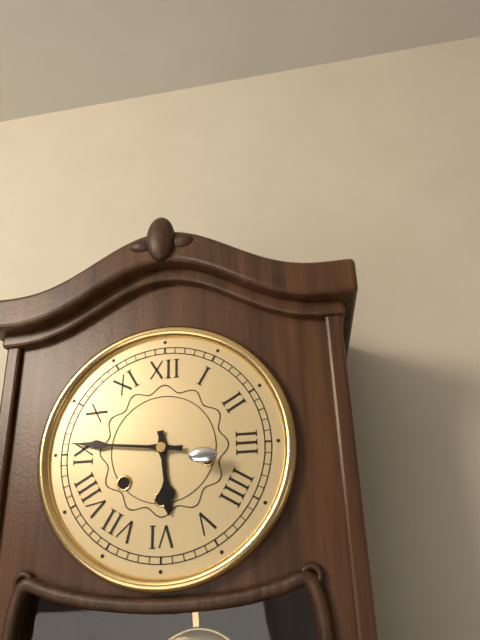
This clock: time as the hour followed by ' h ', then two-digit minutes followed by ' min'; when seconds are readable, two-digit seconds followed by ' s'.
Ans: 5 h 46 min
